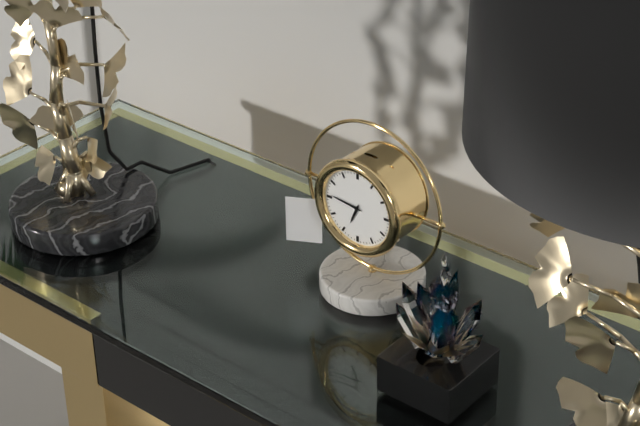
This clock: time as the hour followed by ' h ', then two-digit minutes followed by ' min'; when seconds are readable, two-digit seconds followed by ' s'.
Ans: 6 h 46 min
